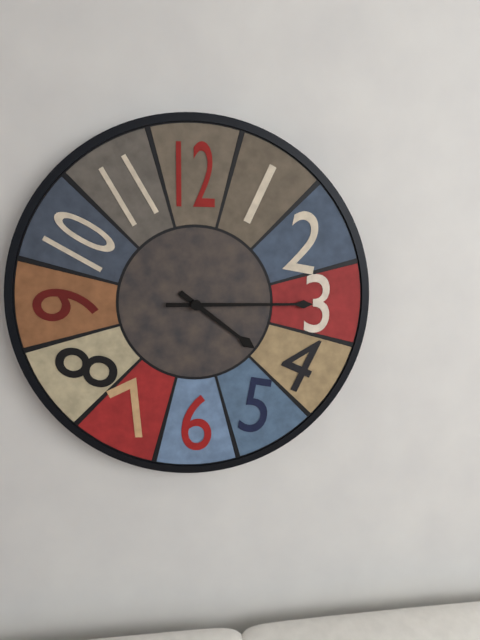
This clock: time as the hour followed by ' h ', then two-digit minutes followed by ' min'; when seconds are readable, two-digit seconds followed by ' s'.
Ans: 4 h 15 min
